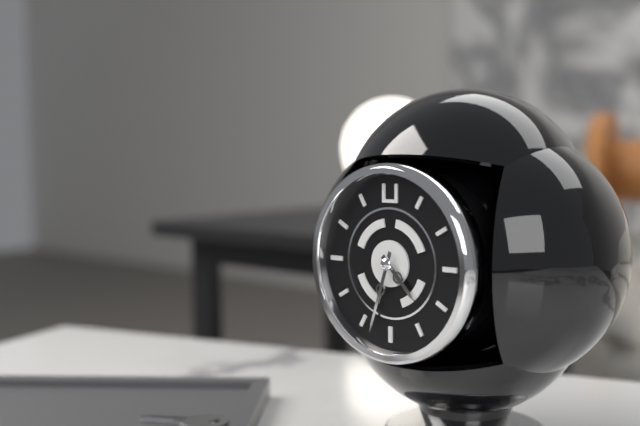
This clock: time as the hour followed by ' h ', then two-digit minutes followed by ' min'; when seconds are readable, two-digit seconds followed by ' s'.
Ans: 4 h 33 min
